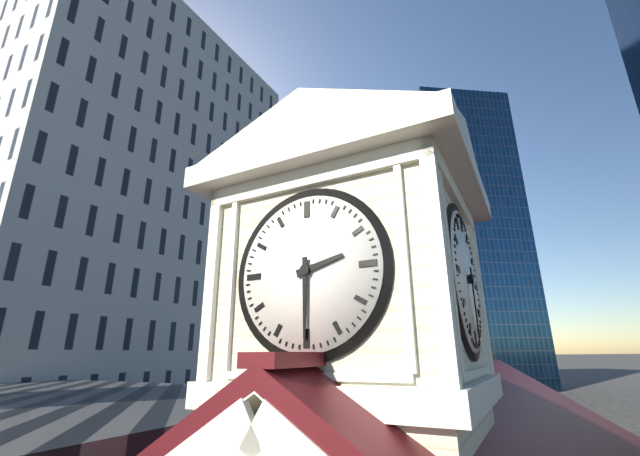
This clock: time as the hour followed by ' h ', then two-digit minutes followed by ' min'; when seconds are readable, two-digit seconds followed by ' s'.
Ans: 2 h 30 min
